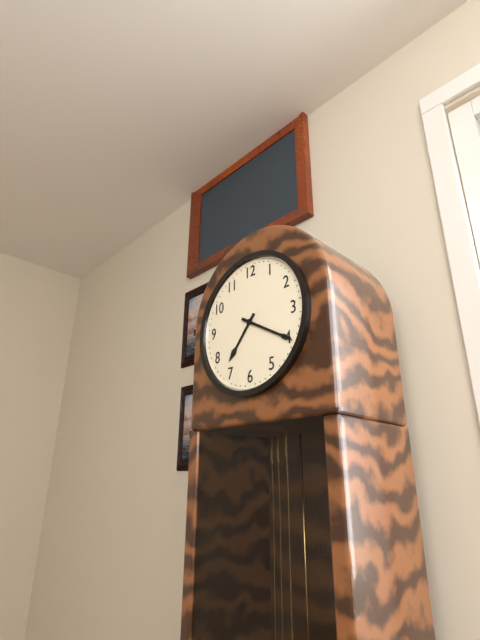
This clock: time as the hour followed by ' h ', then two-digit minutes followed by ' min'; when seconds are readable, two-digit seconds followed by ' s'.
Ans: 7 h 20 min
